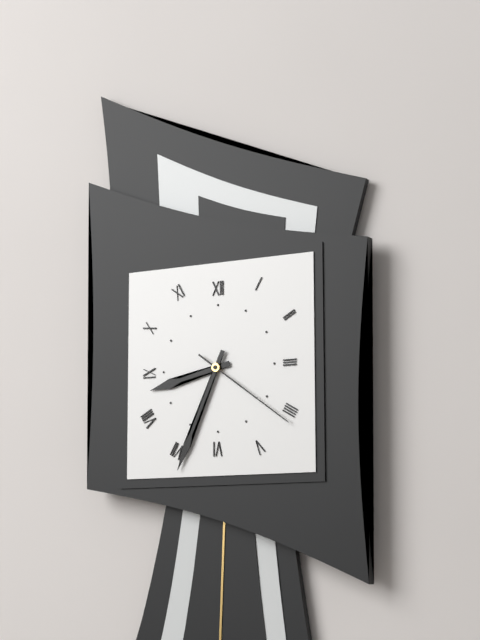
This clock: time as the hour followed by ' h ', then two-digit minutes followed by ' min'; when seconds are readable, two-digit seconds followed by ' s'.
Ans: 8 h 34 min 21 s
